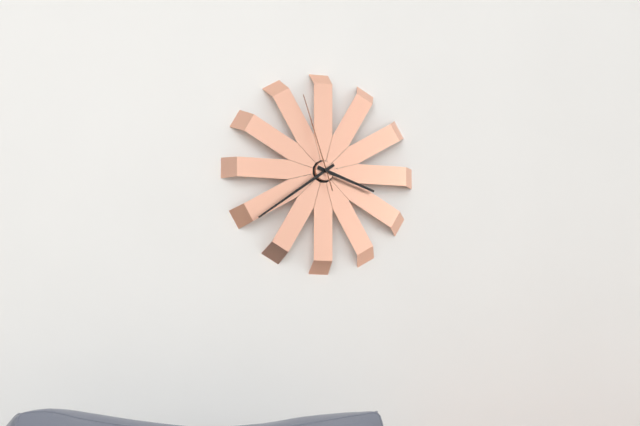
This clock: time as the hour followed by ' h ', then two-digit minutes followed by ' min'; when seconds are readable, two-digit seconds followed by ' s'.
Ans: 3 h 39 min 57 s
